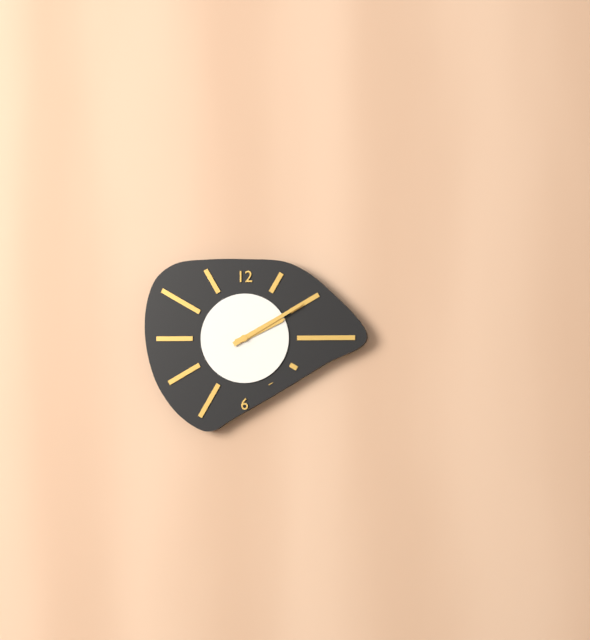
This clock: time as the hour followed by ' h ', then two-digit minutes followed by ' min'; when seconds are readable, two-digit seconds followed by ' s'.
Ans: 2 h 10 min
